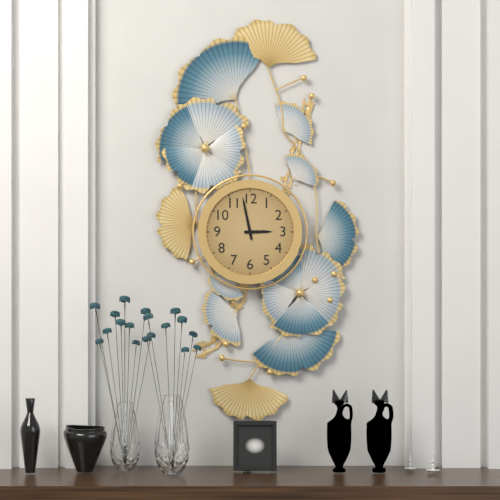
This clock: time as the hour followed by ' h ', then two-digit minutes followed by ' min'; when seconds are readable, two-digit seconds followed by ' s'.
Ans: 2 h 58 min
